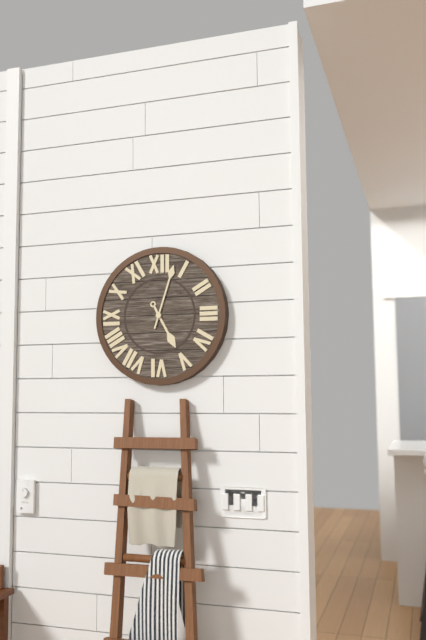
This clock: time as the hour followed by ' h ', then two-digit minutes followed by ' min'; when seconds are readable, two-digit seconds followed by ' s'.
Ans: 5 h 03 min
